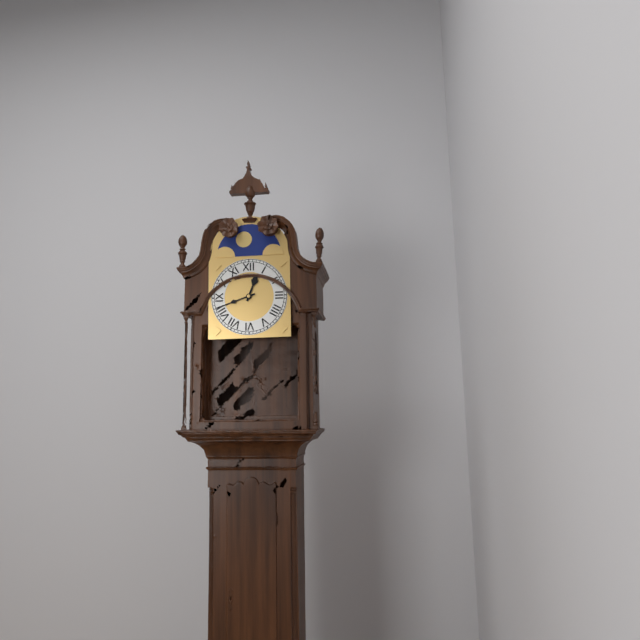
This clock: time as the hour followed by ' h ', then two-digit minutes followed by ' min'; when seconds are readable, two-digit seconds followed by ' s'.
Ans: 12 h 42 min
